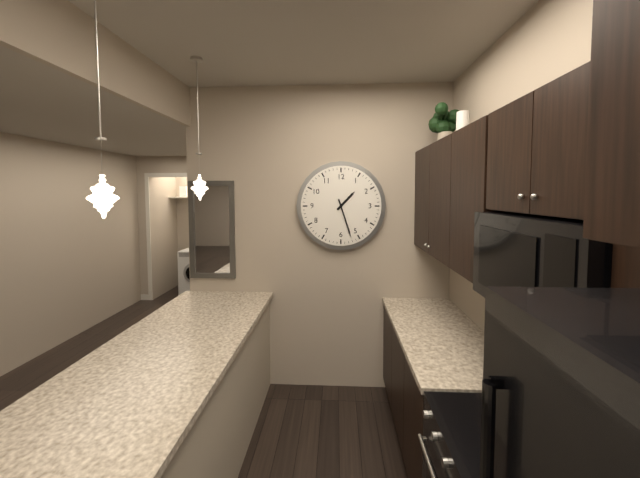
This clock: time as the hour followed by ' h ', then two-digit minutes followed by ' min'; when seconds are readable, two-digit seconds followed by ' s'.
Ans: 1 h 27 min
